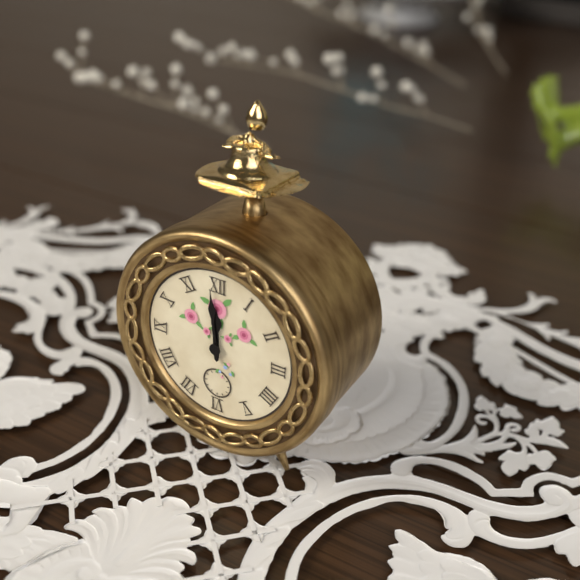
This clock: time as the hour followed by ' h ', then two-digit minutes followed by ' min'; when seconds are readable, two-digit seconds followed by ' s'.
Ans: 11 h 59 min
